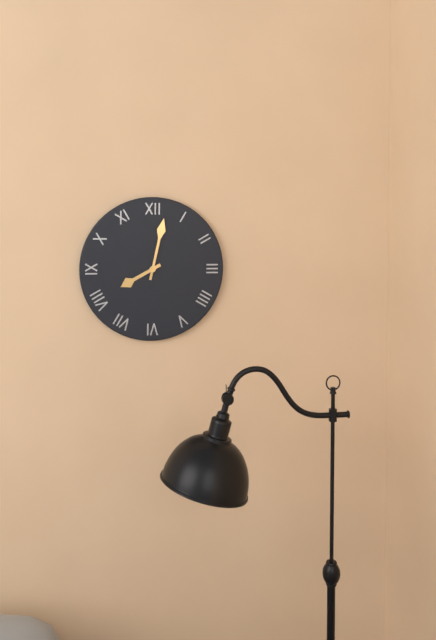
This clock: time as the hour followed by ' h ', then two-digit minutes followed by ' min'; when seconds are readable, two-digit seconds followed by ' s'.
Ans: 8 h 02 min
